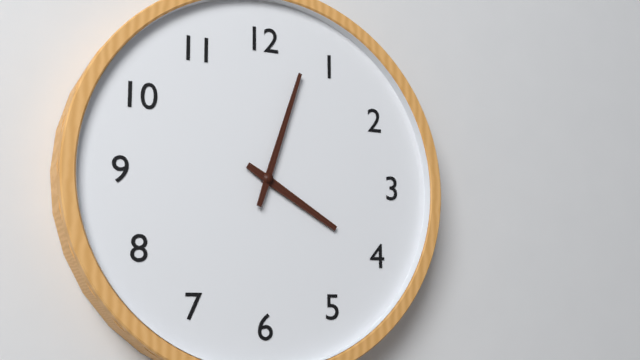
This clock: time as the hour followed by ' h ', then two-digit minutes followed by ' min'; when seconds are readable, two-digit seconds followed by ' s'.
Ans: 4 h 03 min
